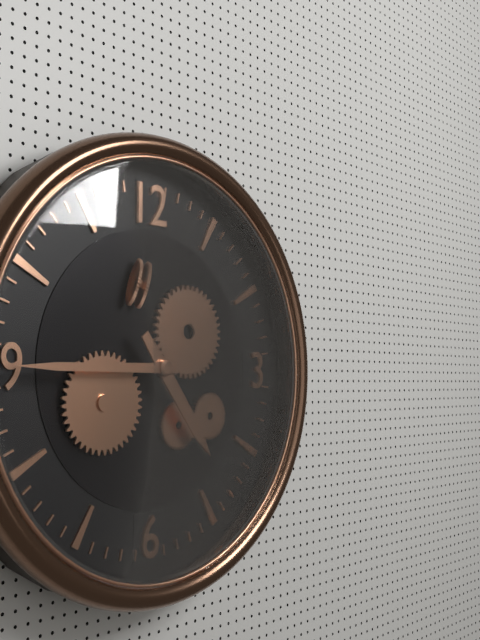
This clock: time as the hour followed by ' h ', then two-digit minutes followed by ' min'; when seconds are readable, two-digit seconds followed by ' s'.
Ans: 4 h 45 min
